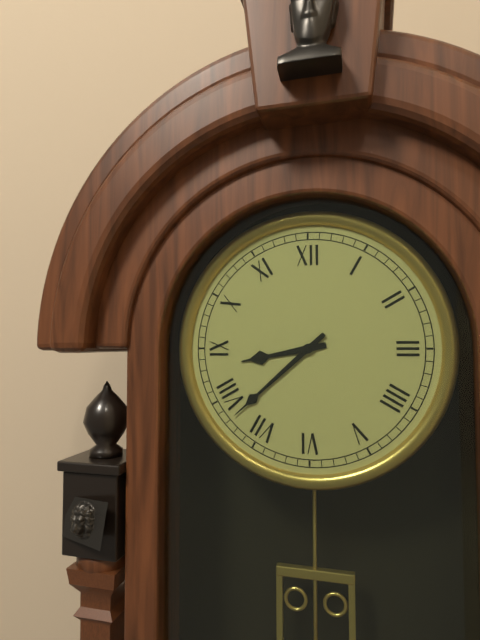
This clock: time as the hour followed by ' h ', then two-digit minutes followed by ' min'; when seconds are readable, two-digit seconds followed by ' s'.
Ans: 8 h 38 min
